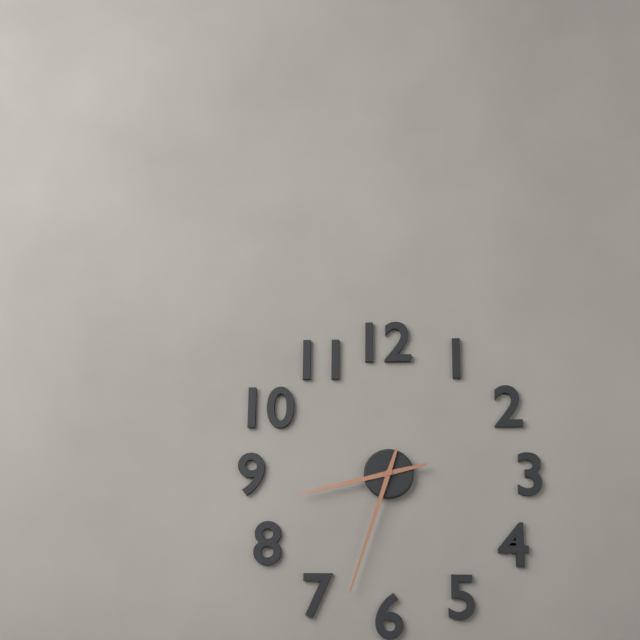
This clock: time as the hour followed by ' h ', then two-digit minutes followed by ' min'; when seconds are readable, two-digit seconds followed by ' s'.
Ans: 8 h 33 min
